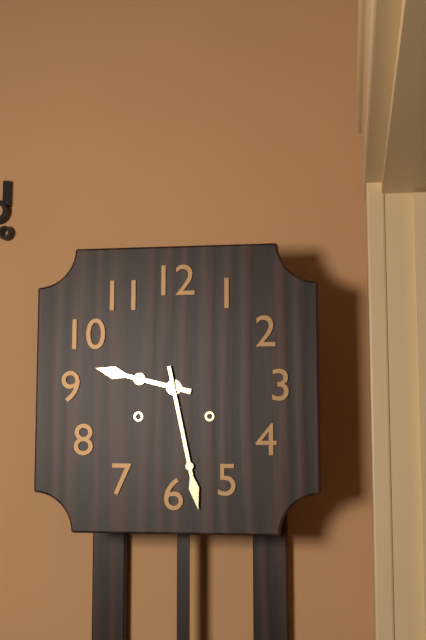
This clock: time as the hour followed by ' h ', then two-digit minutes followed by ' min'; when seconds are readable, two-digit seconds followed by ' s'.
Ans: 9 h 28 min
